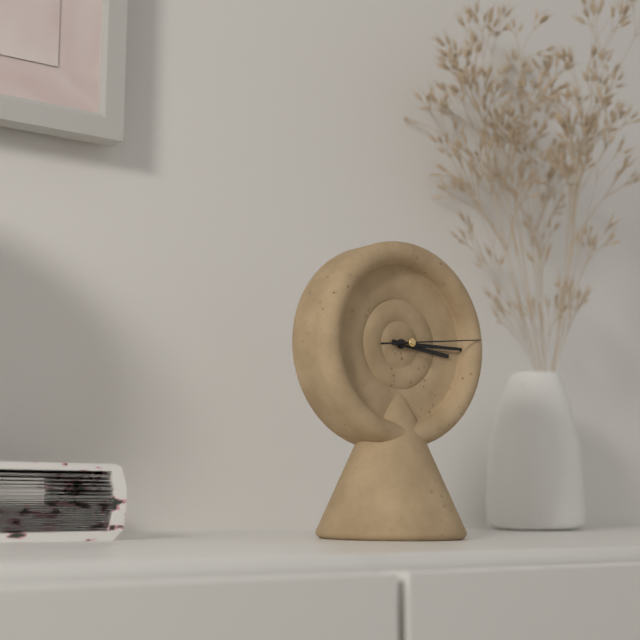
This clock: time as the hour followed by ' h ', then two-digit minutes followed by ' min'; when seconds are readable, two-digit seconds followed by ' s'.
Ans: 3 h 15 min 14 s
